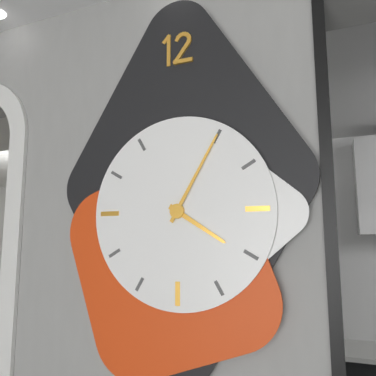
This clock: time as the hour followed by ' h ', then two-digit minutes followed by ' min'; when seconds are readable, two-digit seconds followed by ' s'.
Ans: 4 h 05 min
